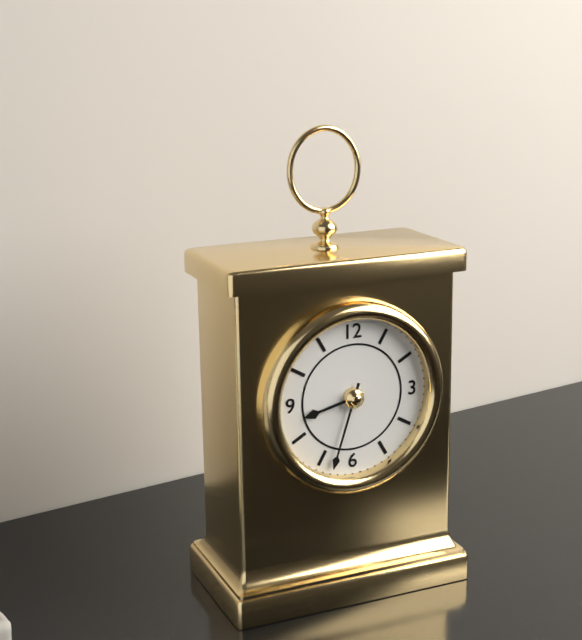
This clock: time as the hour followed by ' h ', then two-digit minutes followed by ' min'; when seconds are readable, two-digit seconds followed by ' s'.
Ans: 8 h 33 min
